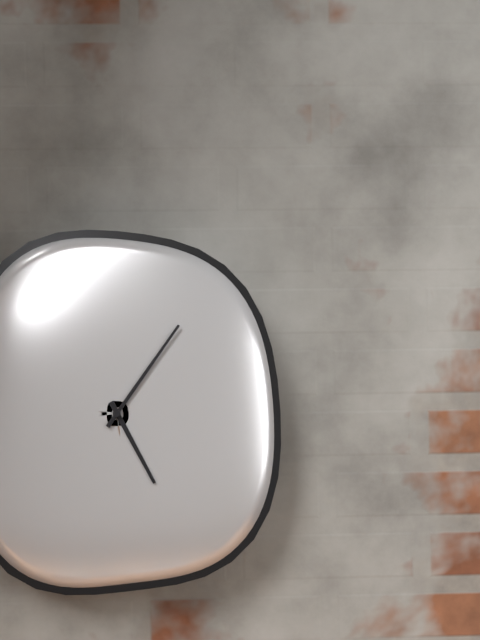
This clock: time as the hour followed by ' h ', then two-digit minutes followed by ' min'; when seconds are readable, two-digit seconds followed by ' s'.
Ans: 5 h 06 min
